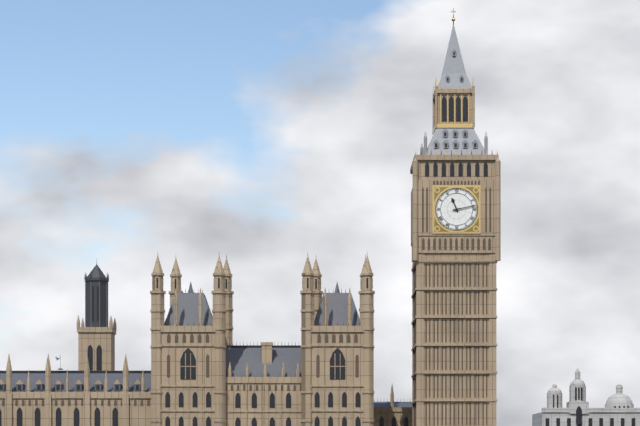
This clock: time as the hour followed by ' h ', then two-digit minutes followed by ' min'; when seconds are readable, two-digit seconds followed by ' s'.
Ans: 11 h 13 min
